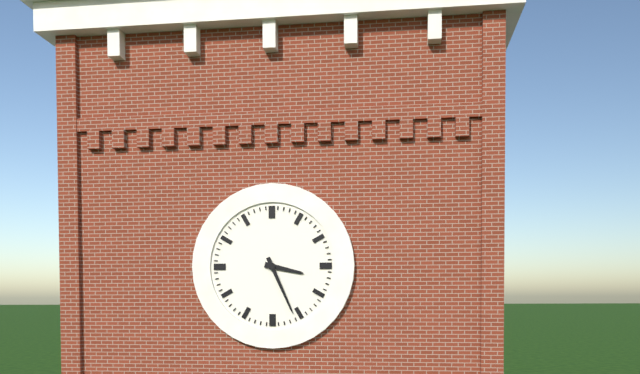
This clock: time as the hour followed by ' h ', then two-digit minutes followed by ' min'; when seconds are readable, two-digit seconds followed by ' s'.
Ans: 3 h 26 min
